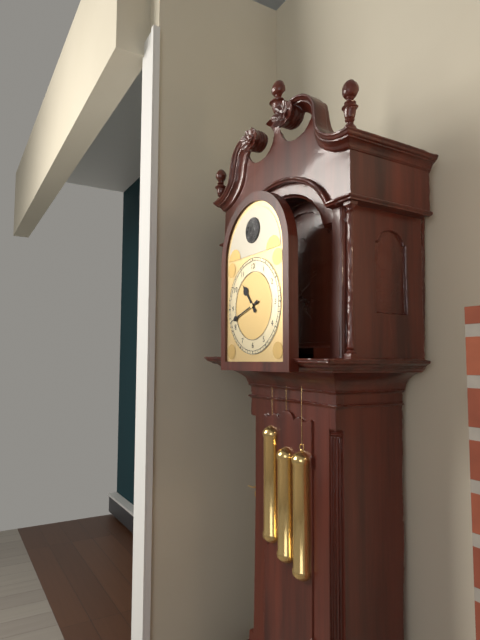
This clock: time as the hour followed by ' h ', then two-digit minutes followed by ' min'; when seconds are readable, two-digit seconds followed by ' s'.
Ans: 10 h 42 min
